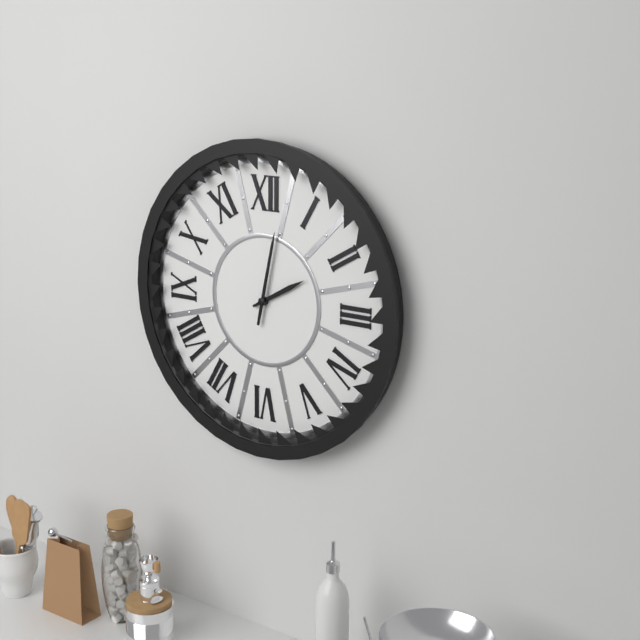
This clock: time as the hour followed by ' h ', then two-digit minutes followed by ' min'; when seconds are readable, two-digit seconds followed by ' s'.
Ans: 2 h 02 min
